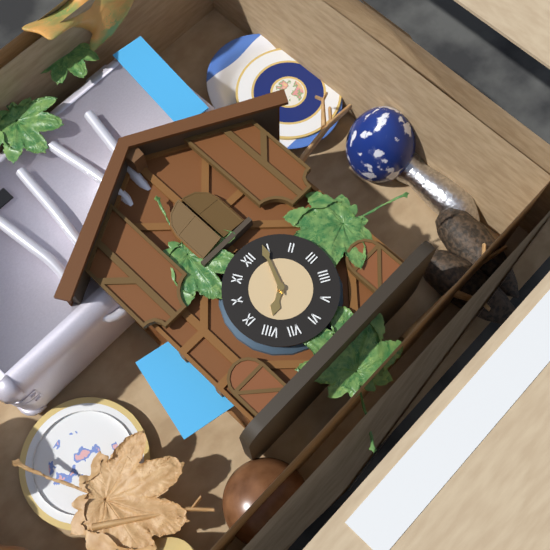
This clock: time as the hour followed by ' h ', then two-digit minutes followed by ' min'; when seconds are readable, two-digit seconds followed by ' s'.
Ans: 8 h 04 min
